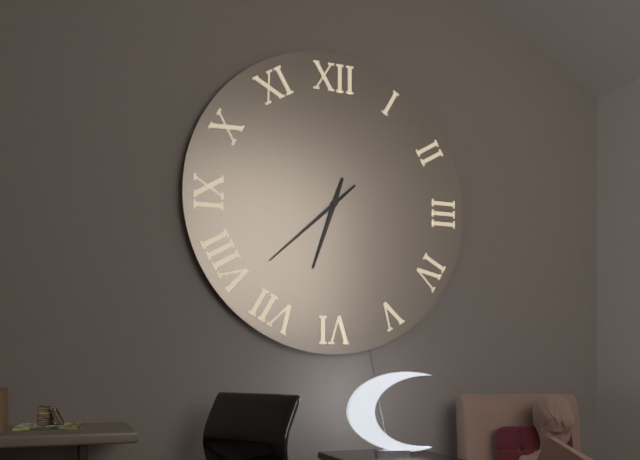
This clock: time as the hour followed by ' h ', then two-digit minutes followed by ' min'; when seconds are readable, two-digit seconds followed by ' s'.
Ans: 6 h 38 min
